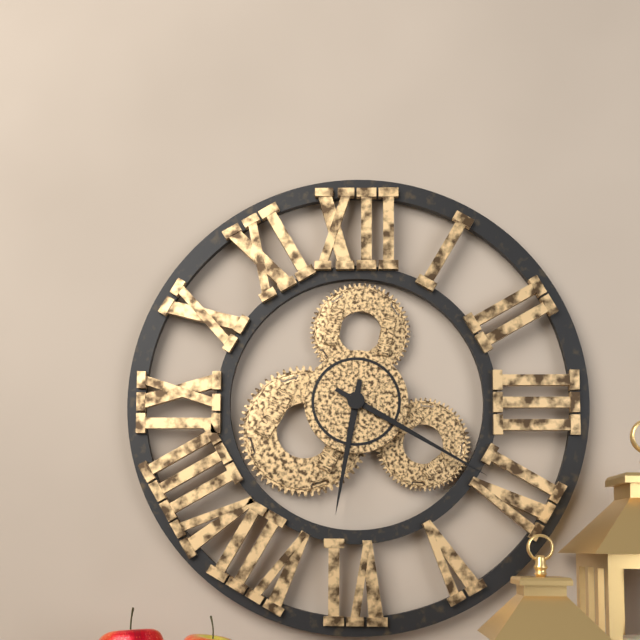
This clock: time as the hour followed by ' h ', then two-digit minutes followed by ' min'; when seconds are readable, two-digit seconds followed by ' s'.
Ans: 6 h 20 min
